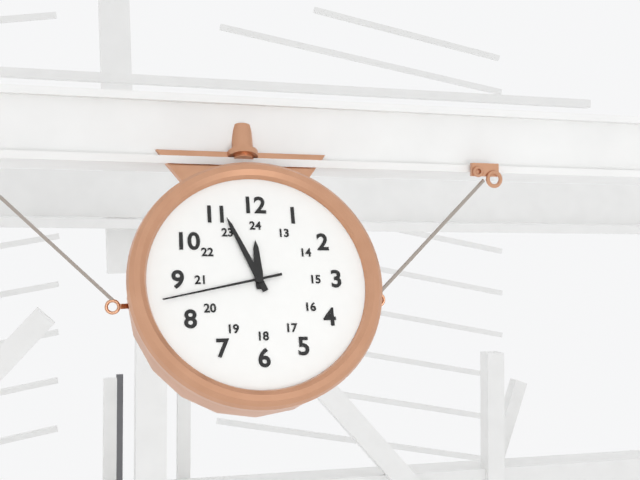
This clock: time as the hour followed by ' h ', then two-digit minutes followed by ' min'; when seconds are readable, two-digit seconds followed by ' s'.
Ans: 11 h 56 min 43 s
